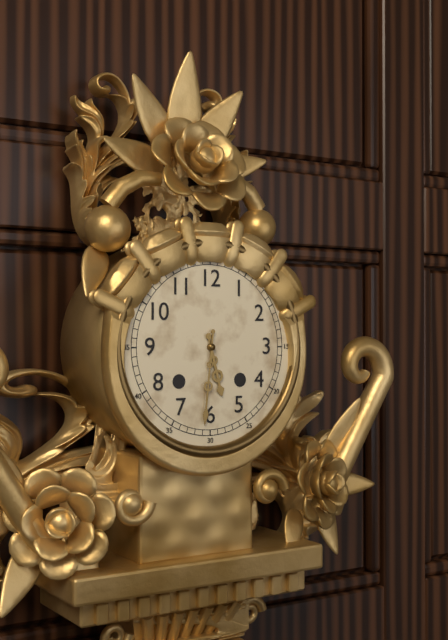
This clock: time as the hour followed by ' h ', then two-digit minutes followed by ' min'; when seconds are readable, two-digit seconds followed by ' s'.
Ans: 5 h 31 min
